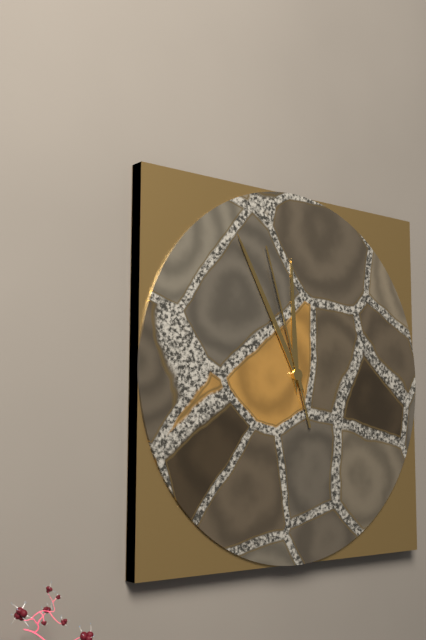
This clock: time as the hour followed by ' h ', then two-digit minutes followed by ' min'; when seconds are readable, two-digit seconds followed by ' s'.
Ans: 11 h 55 min 57 s
